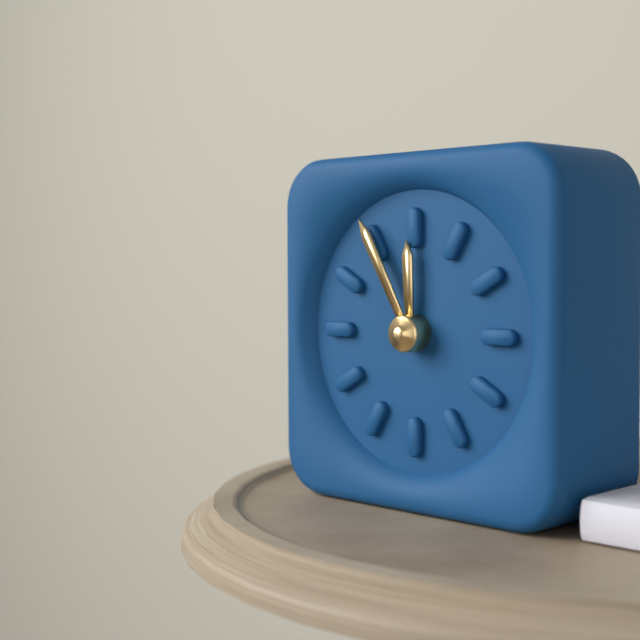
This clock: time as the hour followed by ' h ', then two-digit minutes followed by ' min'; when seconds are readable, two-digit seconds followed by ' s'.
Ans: 11 h 55 min
